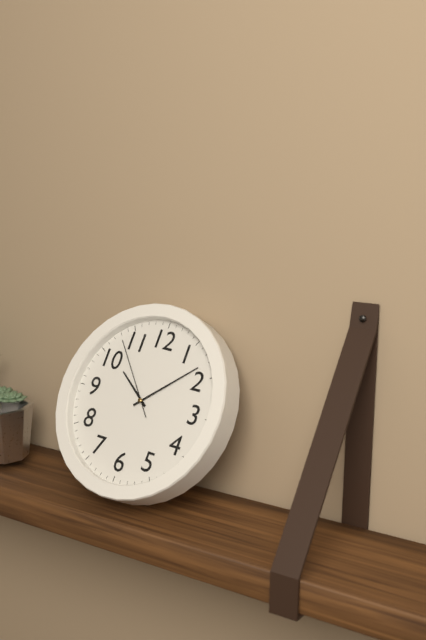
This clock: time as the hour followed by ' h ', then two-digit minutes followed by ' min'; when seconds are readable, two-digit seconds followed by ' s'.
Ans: 10 h 08 min 53 s
